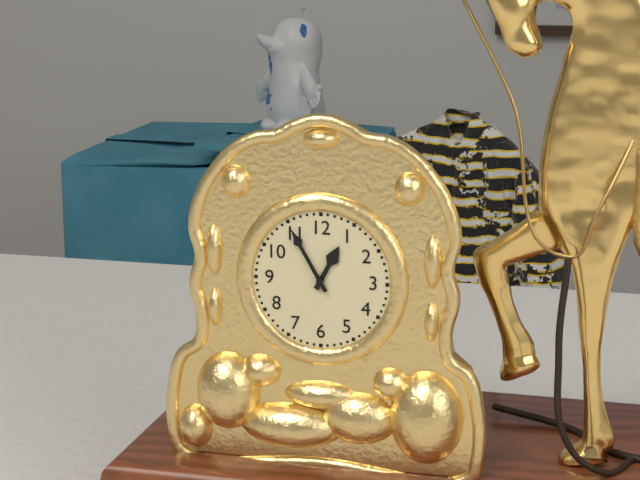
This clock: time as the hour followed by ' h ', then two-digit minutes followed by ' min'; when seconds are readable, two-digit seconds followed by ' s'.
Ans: 12 h 55 min
